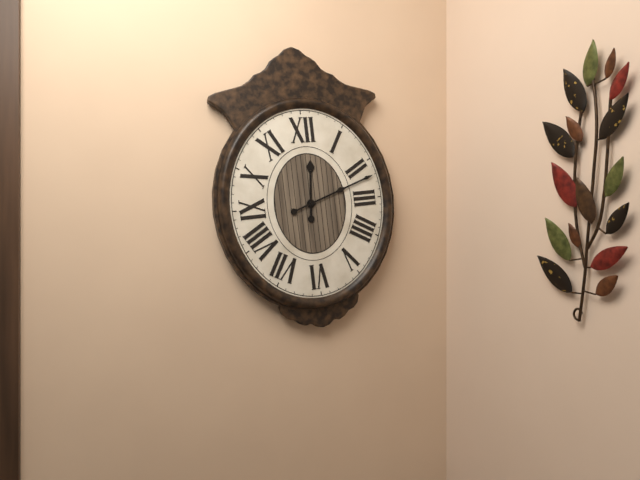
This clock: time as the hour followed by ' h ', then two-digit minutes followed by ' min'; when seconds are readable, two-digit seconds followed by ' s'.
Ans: 12 h 12 min
